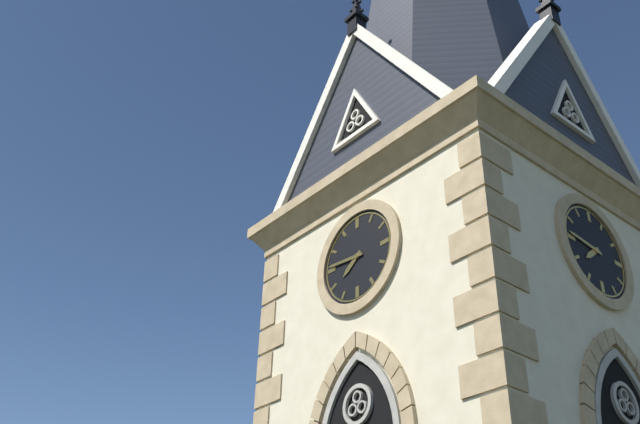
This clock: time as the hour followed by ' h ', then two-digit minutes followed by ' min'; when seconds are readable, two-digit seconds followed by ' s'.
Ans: 7 h 46 min
